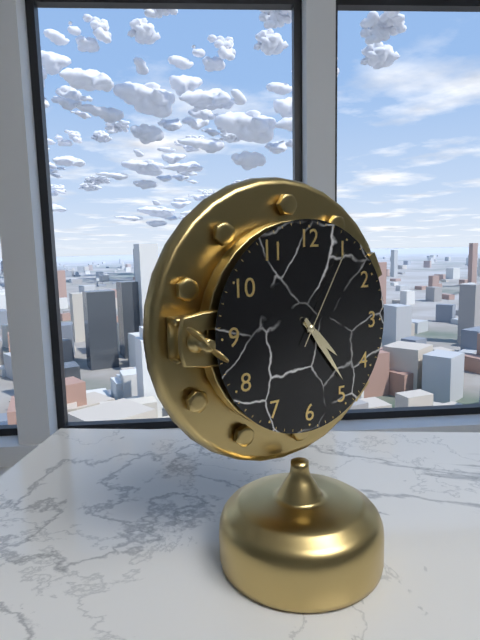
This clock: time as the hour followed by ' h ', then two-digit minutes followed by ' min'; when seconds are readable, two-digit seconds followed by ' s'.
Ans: 4 h 24 min 05 s
